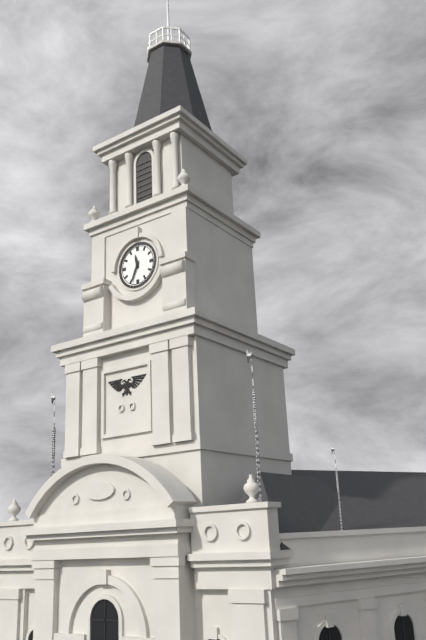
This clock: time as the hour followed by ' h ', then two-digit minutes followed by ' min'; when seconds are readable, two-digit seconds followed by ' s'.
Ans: 11 h 34 min
